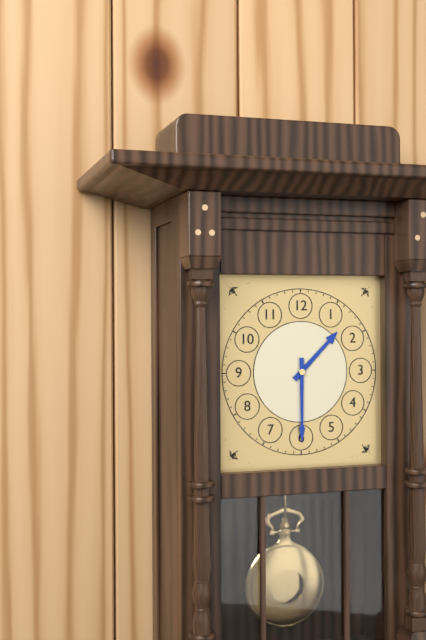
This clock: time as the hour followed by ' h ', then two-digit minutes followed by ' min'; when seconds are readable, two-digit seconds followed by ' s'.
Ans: 1 h 30 min
